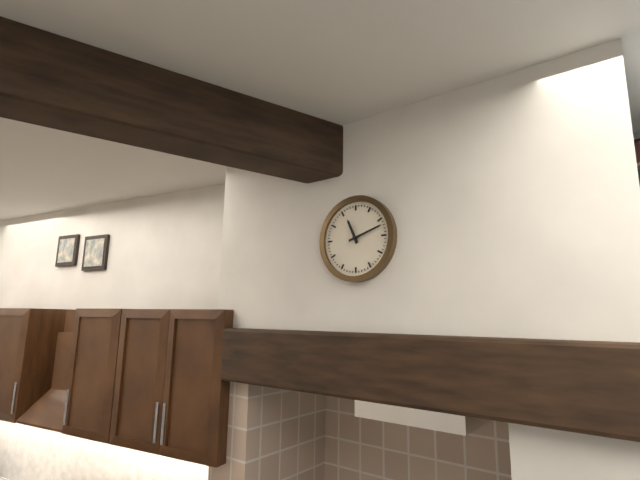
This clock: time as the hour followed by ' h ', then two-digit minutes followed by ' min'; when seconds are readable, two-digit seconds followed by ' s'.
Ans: 11 h 12 min
